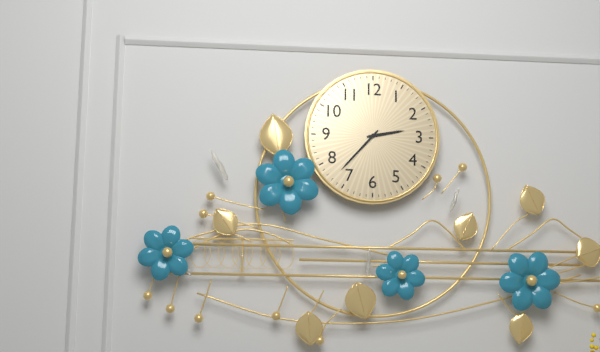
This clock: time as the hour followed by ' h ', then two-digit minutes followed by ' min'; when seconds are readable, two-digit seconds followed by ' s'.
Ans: 2 h 37 min
